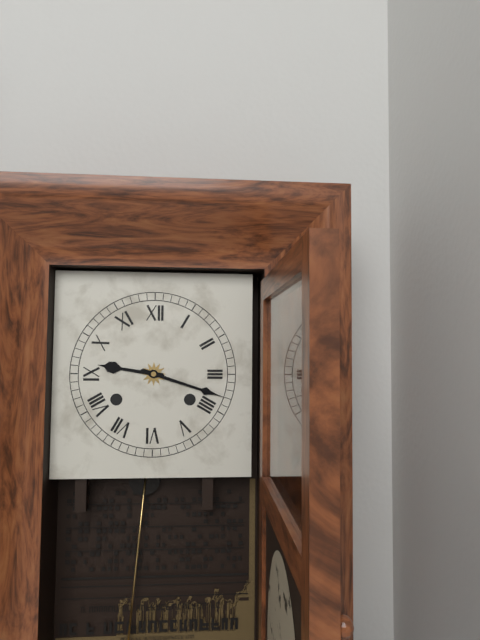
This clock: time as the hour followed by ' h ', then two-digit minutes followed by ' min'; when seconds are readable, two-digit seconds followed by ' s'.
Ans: 9 h 18 min
